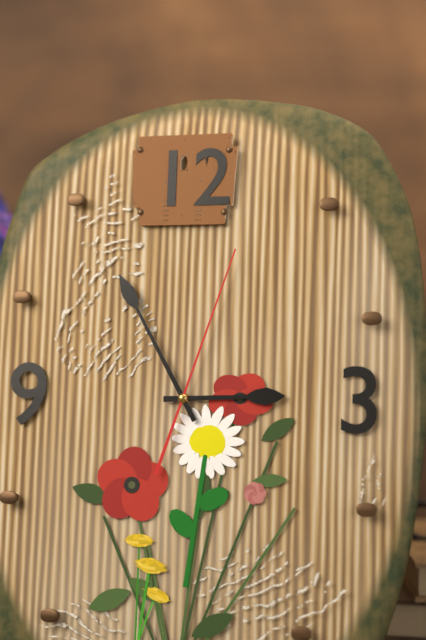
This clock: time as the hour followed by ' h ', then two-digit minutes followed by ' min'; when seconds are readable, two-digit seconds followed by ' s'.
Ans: 2 h 55 min 03 s
